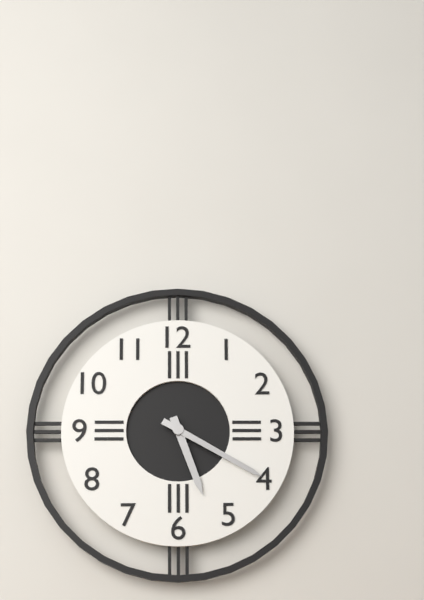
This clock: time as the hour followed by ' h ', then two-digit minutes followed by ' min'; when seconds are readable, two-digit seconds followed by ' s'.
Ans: 5 h 20 min
